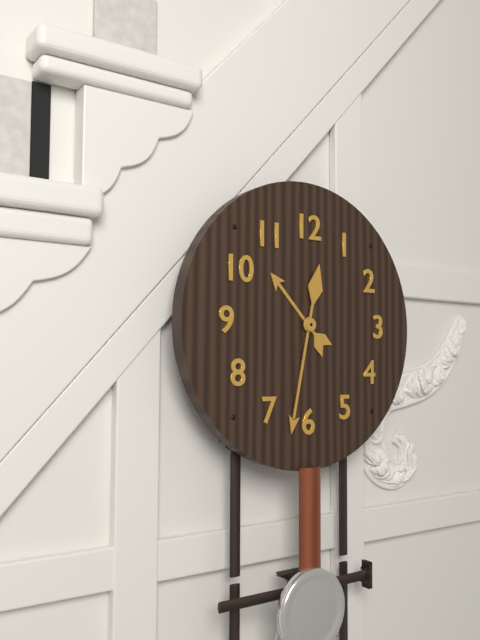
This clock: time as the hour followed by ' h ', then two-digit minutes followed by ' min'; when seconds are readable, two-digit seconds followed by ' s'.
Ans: 10 h 32 min
